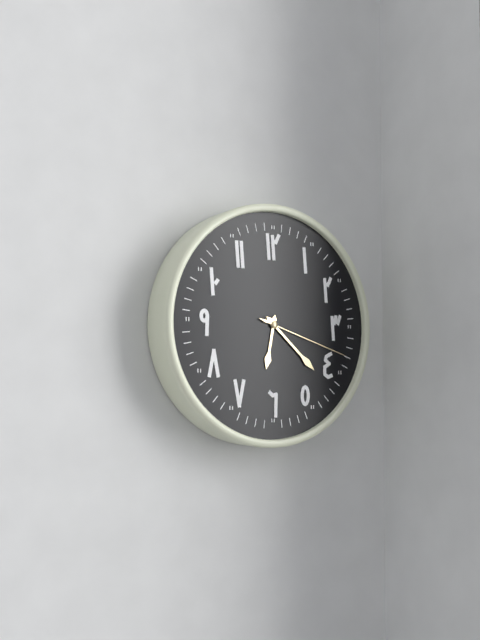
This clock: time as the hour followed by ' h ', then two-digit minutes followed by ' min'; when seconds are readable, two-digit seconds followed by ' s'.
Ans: 6 h 22 min 18 s
